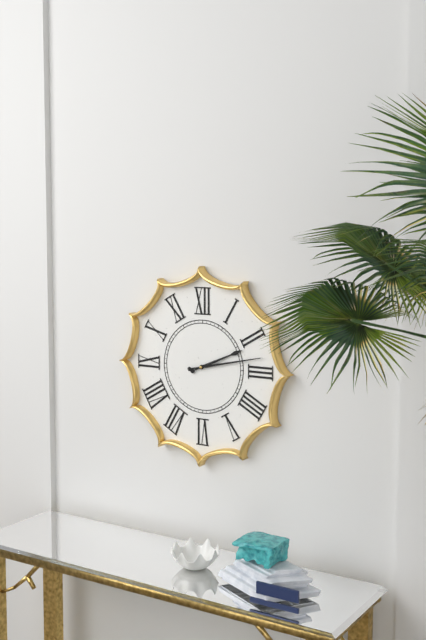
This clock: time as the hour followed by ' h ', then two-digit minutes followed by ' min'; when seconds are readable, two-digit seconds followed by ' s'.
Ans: 2 h 13 min
